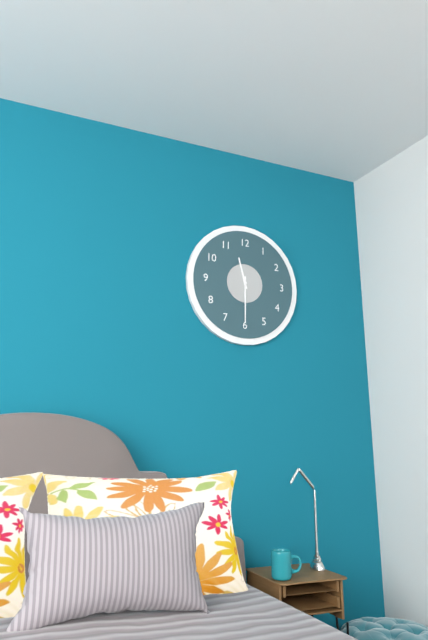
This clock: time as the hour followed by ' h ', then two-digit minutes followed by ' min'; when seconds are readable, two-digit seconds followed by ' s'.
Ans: 11 h 30 min
